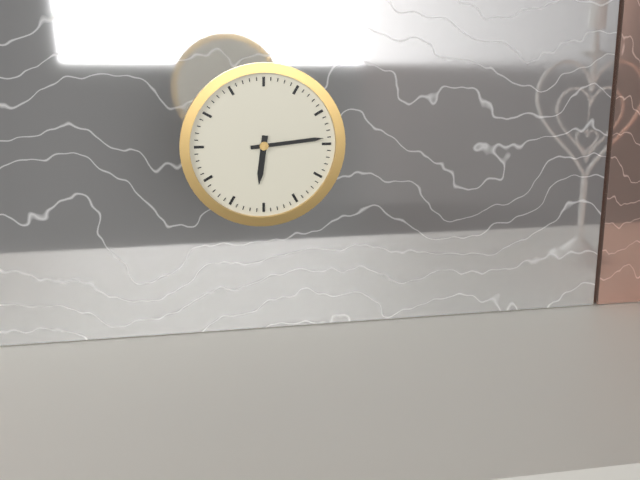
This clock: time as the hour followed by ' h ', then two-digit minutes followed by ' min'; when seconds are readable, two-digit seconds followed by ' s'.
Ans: 6 h 14 min
